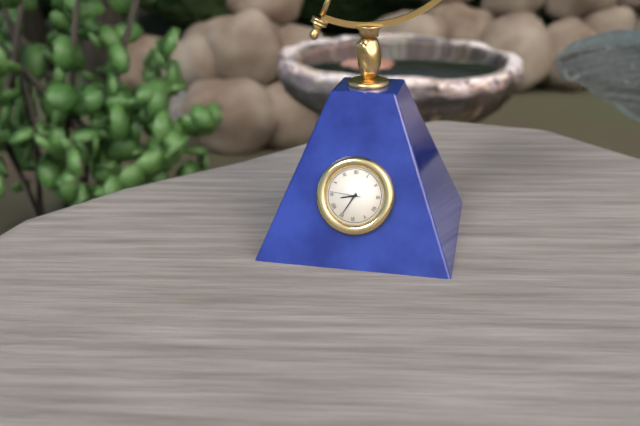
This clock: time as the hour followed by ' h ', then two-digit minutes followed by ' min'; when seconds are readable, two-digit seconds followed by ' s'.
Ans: 8 h 35 min
